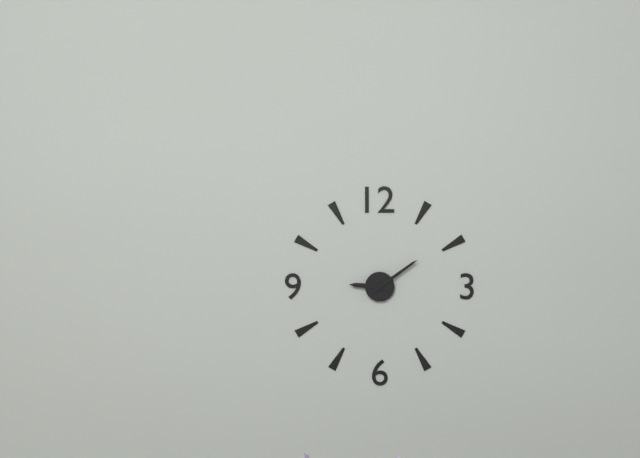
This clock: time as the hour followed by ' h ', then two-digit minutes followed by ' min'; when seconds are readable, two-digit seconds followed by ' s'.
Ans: 9 h 09 min
